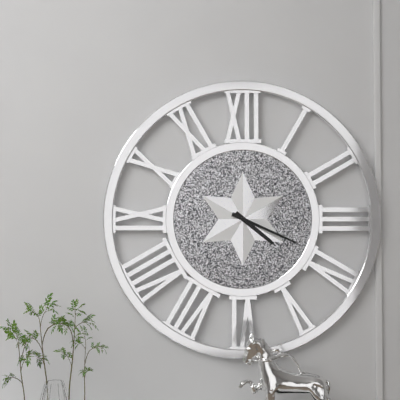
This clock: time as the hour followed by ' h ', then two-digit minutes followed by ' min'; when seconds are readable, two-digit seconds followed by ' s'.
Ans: 4 h 19 min
